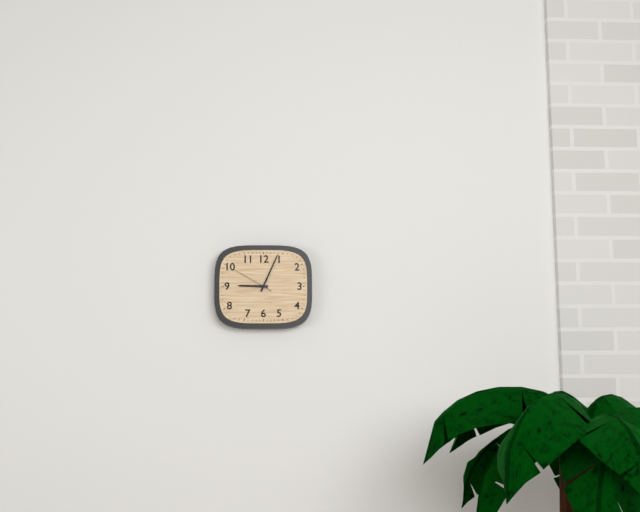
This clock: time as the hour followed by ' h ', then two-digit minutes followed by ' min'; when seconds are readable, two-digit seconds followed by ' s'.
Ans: 9 h 04 min
